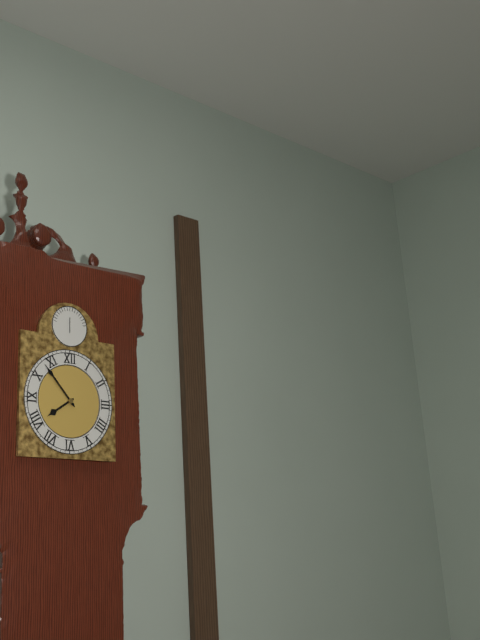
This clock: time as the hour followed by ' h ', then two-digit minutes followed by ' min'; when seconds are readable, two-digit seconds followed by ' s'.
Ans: 7 h 53 min
